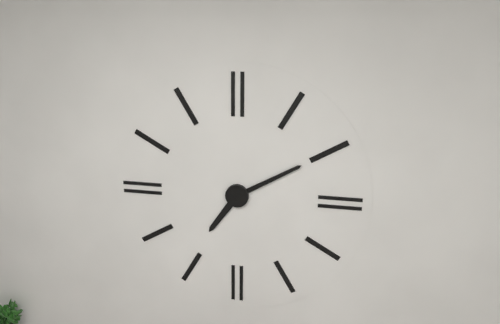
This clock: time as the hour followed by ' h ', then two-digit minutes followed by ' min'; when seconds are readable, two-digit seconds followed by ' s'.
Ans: 7 h 10 min
